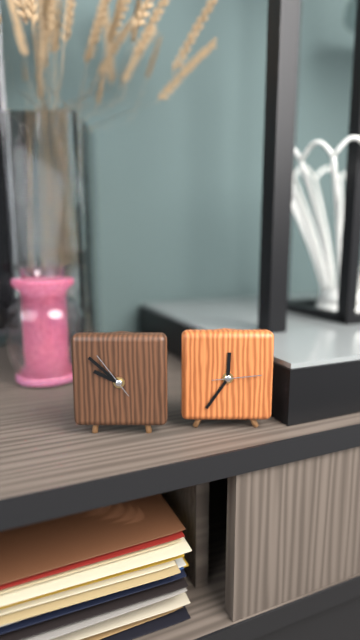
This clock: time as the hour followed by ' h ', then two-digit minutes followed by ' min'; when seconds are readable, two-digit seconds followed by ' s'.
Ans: 9 h 52 min
